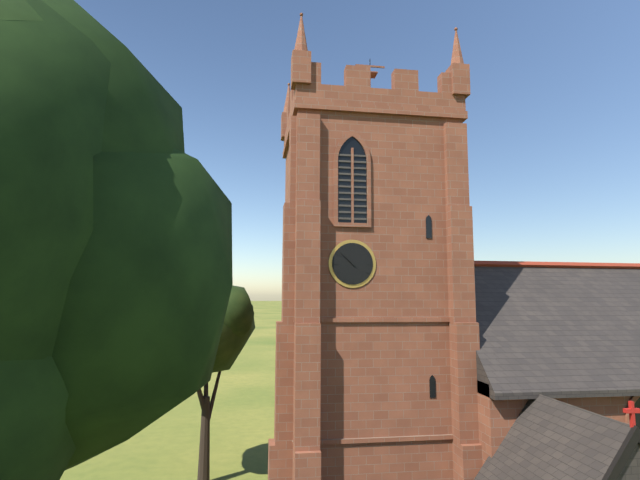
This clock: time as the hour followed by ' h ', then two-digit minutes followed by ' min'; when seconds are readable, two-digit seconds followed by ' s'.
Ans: 10 h 52 min
